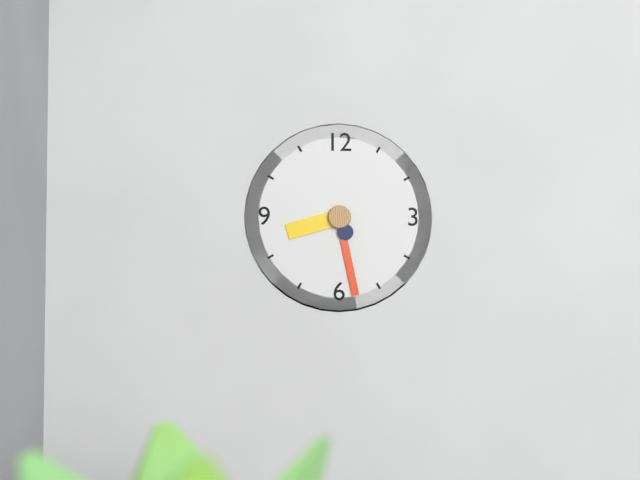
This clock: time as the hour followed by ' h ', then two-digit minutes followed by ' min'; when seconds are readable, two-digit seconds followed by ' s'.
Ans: 8 h 28 min
